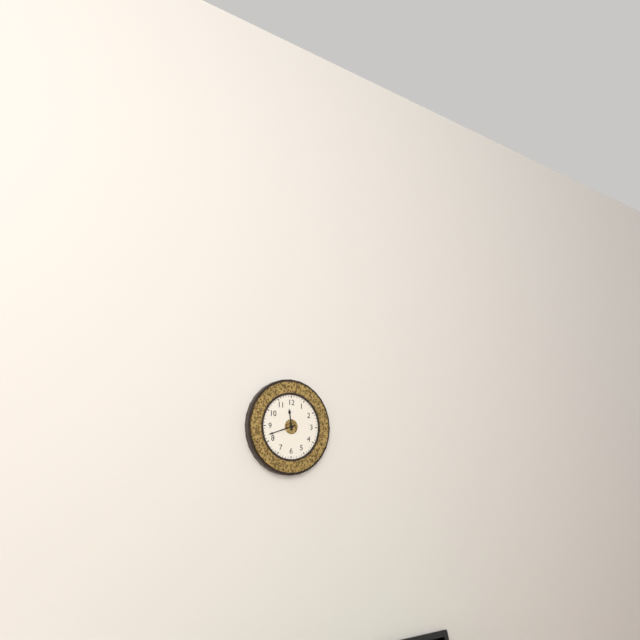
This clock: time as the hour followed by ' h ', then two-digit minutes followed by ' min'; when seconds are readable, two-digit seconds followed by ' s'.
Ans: 11 h 42 min
